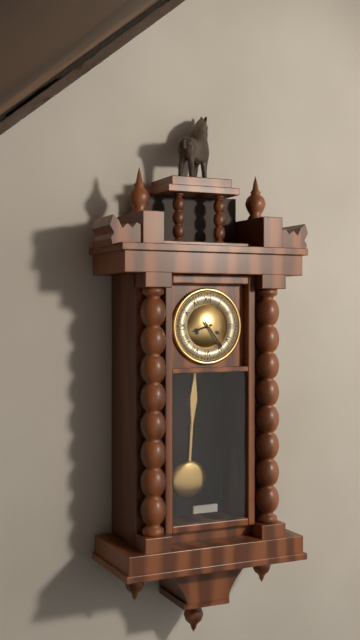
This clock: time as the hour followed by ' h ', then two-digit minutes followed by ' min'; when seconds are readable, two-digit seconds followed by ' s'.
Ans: 8 h 24 min
